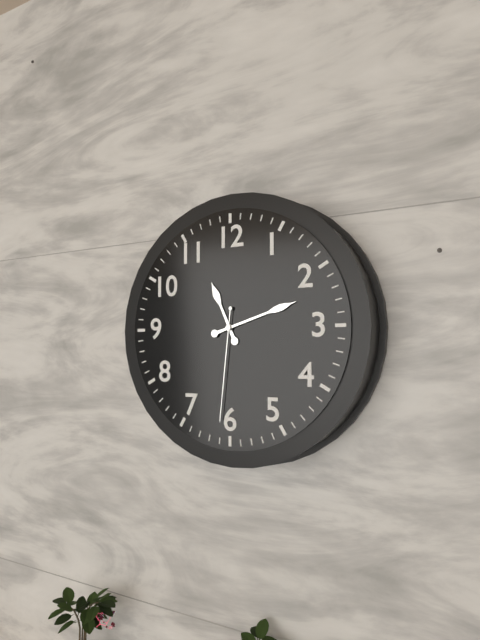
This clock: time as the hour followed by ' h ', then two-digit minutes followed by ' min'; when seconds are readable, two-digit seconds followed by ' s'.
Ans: 11 h 12 min 31 s
